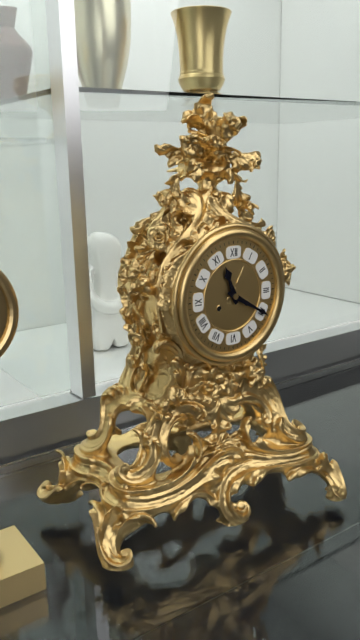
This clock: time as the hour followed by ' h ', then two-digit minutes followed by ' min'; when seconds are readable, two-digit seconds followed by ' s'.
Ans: 11 h 20 min
